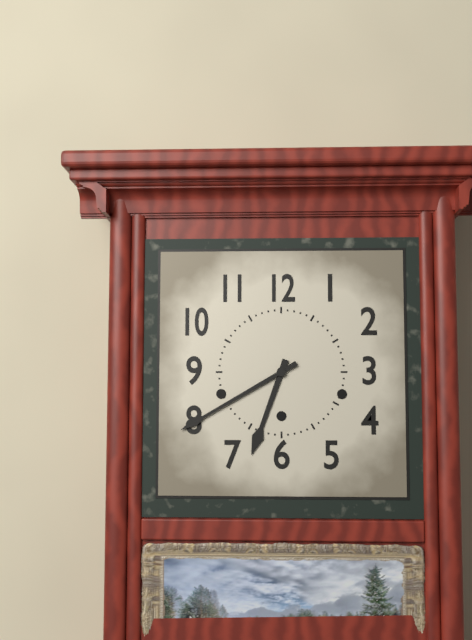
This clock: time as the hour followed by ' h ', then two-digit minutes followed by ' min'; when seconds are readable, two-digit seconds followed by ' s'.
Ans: 6 h 40 min
